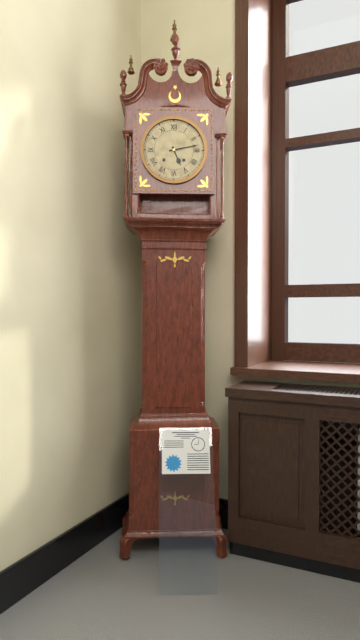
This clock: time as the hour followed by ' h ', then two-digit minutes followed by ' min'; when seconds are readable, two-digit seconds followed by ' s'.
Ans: 5 h 13 min
